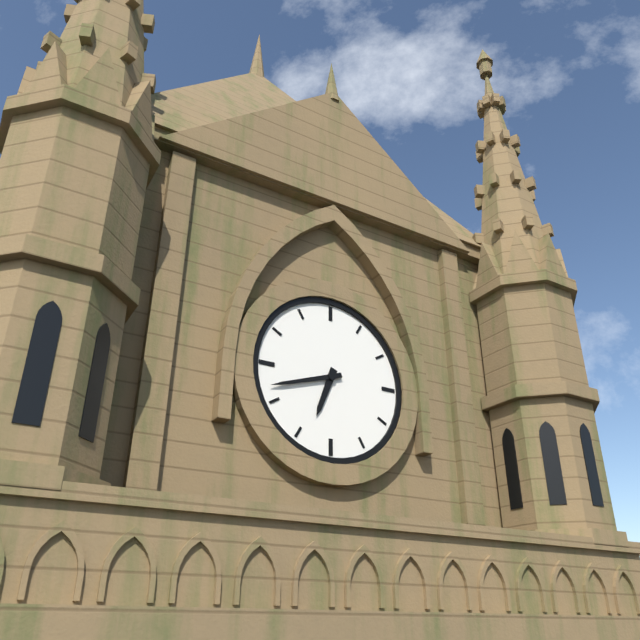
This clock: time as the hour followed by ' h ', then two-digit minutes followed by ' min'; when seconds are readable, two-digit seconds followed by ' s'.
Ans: 6 h 42 min
